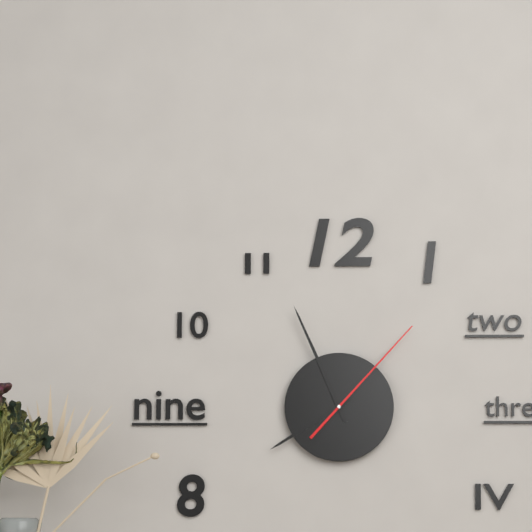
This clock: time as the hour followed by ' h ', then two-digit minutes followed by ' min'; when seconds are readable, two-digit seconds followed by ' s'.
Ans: 7 h 56 min 07 s
